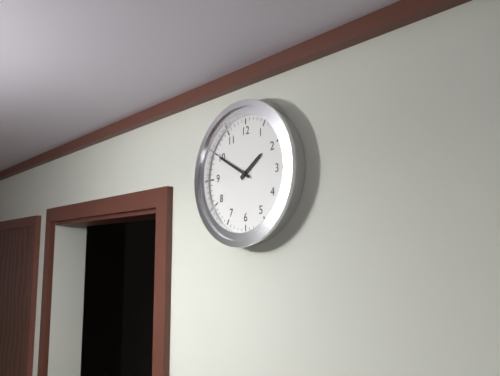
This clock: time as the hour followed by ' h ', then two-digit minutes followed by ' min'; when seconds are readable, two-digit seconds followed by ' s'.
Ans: 1 h 50 min
